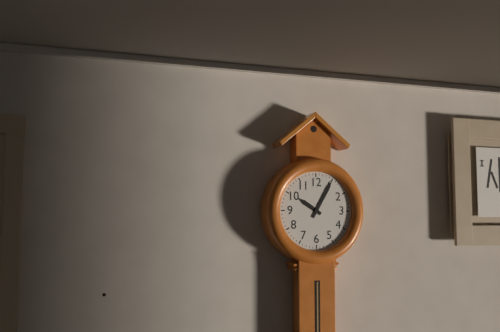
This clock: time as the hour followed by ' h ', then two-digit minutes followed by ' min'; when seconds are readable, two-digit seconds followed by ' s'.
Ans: 10 h 05 min
